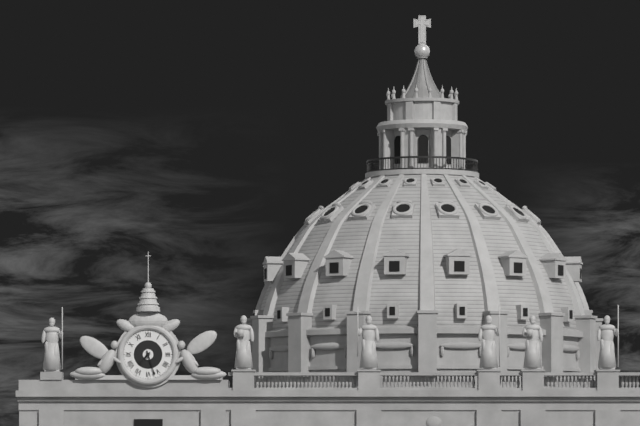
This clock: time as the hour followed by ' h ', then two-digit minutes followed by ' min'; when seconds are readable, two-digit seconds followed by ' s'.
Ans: 7 h 27 min
